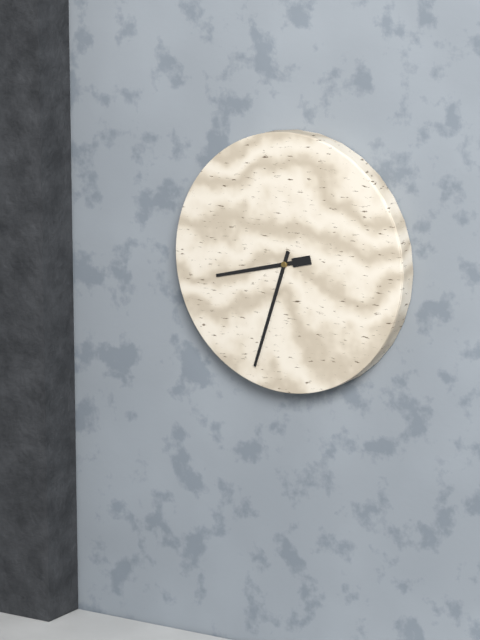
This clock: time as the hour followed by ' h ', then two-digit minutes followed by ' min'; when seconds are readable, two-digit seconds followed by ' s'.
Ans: 8 h 33 min
